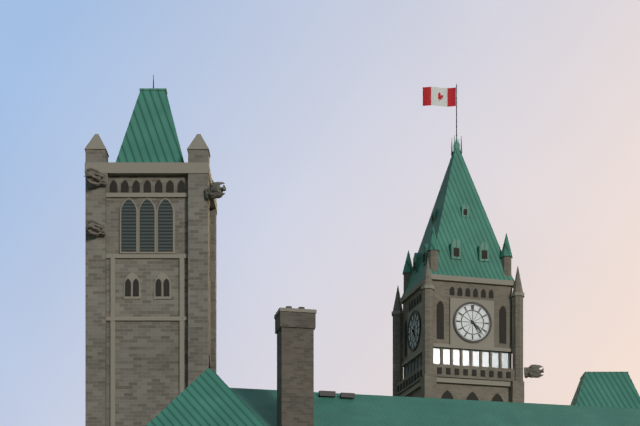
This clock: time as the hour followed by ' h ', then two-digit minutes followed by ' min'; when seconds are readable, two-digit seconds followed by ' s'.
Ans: 4 h 23 min
